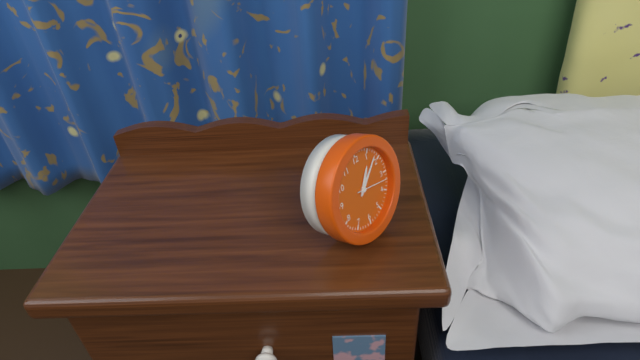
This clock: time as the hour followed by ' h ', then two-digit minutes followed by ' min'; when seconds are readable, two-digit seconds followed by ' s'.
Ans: 1 h 08 min
